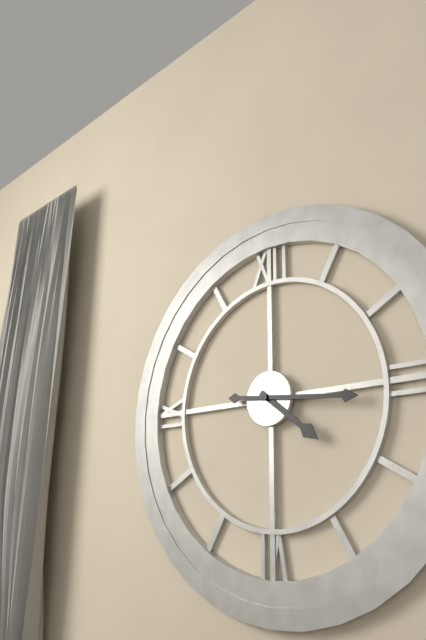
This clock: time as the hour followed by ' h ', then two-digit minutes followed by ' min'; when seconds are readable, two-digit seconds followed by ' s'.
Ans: 4 h 16 min
